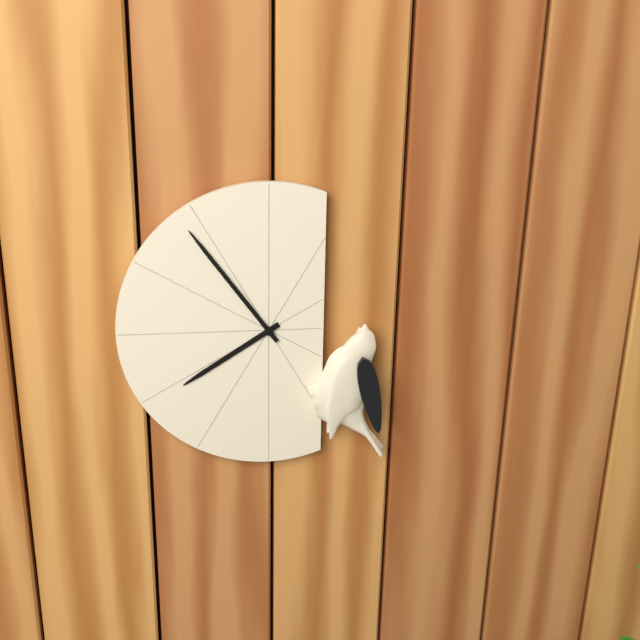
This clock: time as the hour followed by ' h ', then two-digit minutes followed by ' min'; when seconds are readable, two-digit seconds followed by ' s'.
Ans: 7 h 54 min
